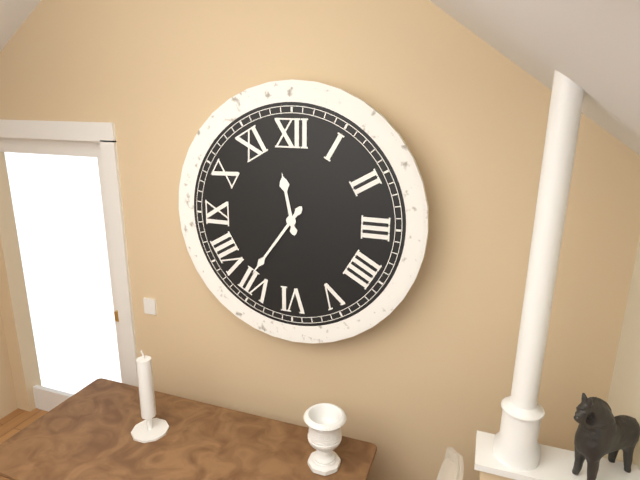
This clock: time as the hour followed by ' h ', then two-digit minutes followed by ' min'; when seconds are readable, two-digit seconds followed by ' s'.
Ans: 11 h 36 min
